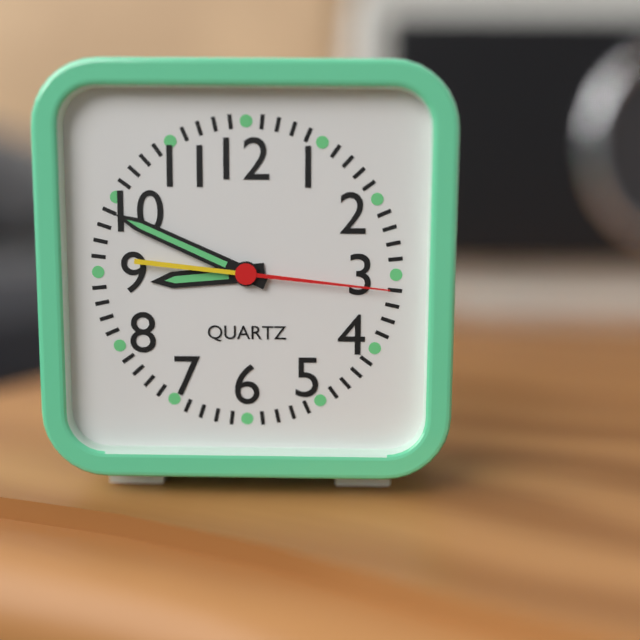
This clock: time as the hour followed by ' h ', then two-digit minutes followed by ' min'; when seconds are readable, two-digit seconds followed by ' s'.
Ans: 8 h 49 min 16 s
